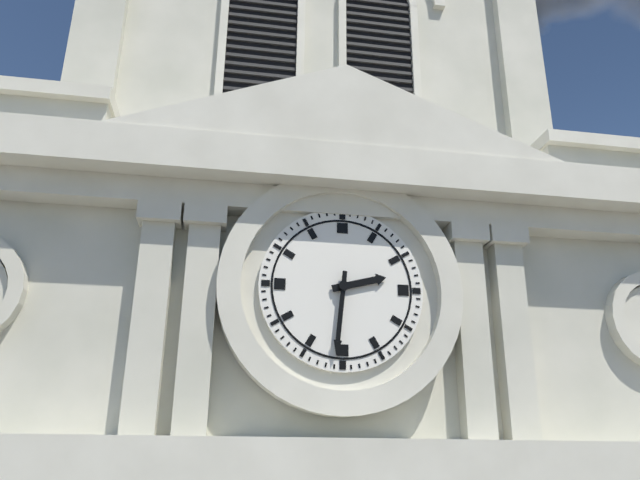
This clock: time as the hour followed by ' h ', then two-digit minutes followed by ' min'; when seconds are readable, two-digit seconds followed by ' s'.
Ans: 2 h 31 min
